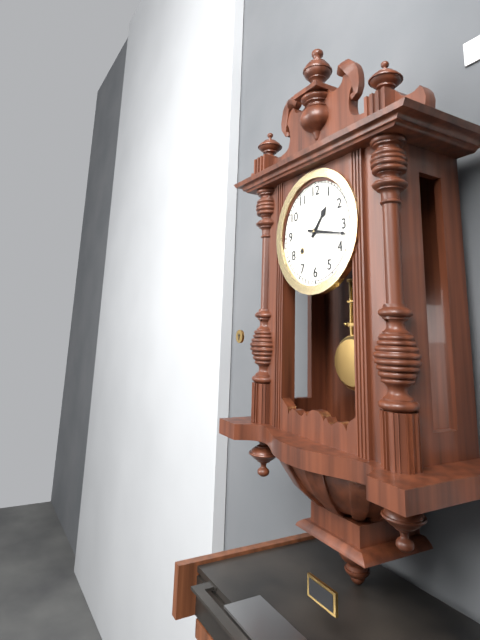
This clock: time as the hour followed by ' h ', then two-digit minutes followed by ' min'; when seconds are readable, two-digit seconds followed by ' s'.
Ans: 1 h 17 min
